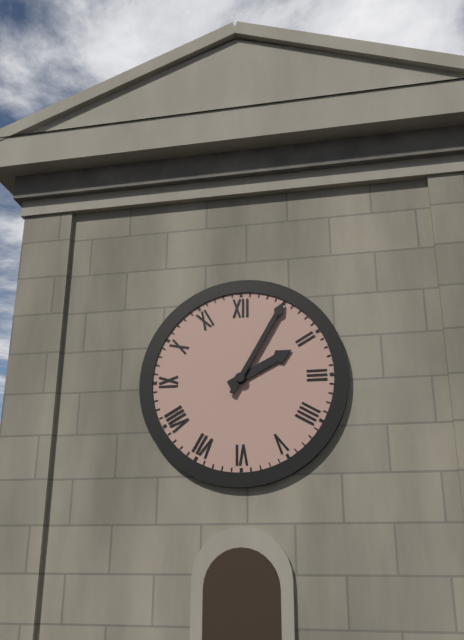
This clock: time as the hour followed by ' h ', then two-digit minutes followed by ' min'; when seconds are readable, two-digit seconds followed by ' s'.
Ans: 2 h 05 min
